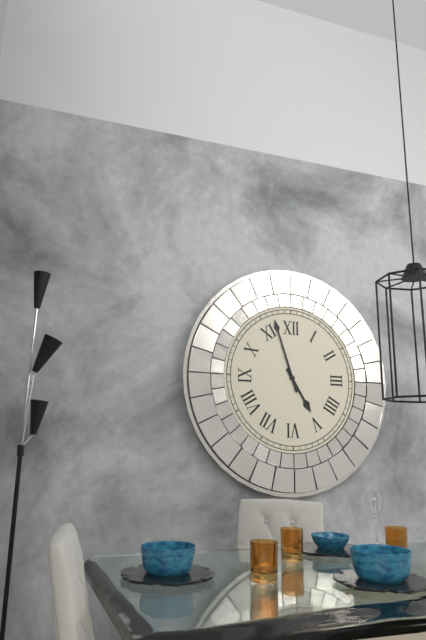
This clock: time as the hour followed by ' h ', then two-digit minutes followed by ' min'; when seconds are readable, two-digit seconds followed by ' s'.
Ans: 4 h 57 min
